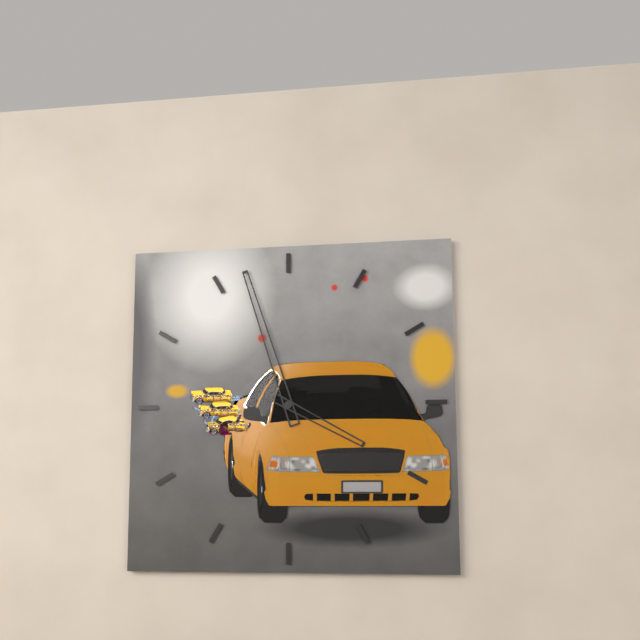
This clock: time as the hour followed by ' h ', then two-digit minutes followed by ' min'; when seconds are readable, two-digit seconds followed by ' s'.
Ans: 3 h 57 min
